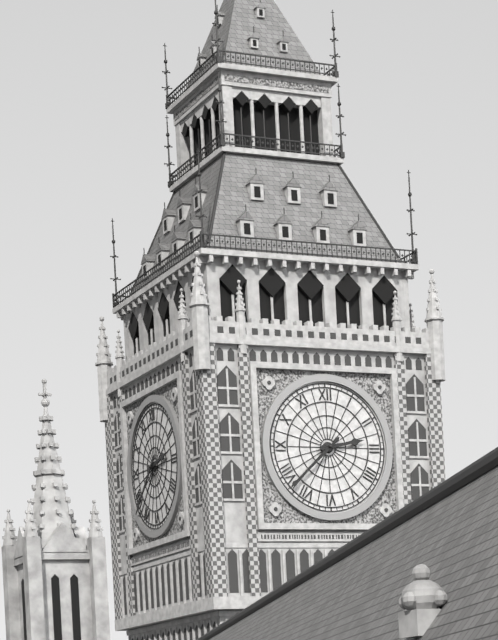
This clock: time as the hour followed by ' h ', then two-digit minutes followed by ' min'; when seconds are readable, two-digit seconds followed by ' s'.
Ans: 2 h 38 min
